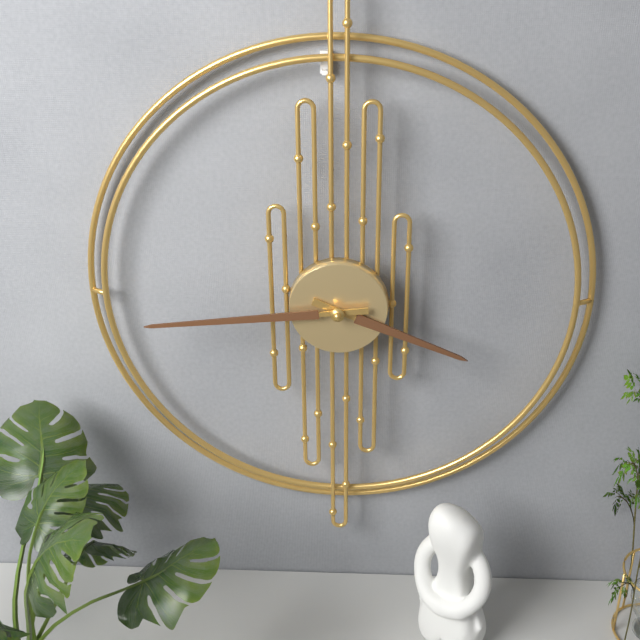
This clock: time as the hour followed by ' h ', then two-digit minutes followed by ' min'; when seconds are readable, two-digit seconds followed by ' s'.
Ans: 3 h 44 min
